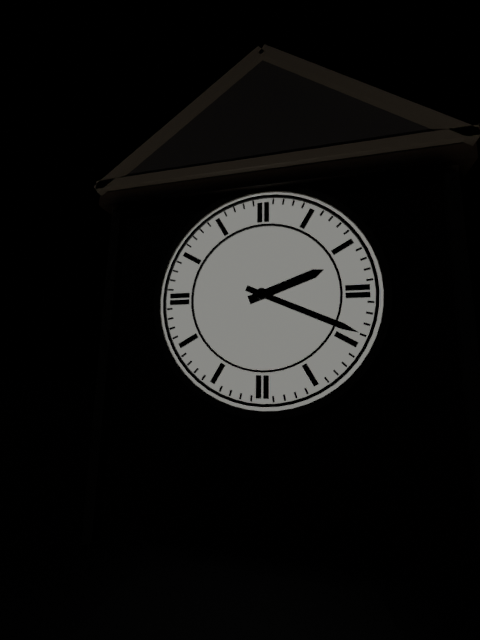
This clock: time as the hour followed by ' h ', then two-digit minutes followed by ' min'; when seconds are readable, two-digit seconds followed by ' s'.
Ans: 2 h 19 min
